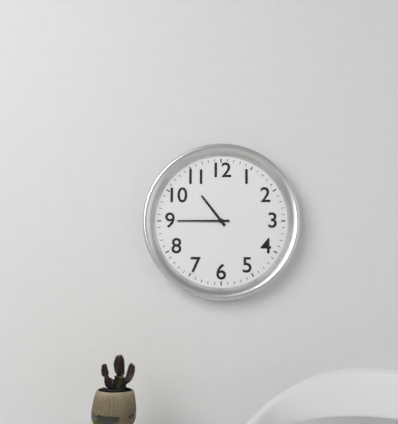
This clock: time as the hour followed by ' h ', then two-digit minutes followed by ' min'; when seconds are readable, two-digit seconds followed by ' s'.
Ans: 10 h 45 min
